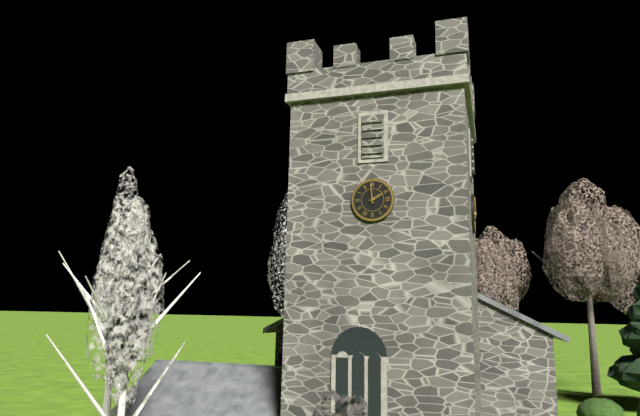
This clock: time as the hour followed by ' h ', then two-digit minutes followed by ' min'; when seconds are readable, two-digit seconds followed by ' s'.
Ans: 1 h 59 min
